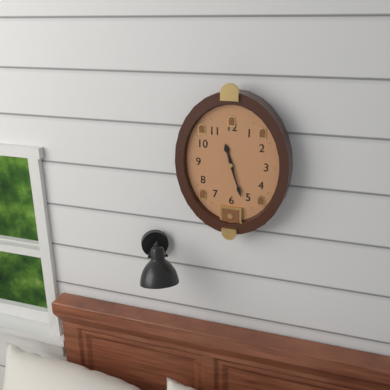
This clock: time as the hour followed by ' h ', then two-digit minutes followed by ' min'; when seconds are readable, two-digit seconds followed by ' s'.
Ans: 11 h 27 min
